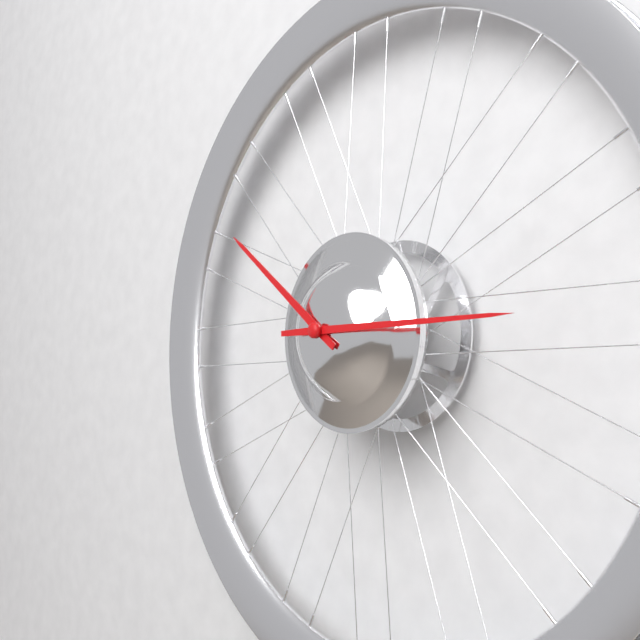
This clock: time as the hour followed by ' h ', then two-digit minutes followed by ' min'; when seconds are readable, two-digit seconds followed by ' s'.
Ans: 10 h 15 min
